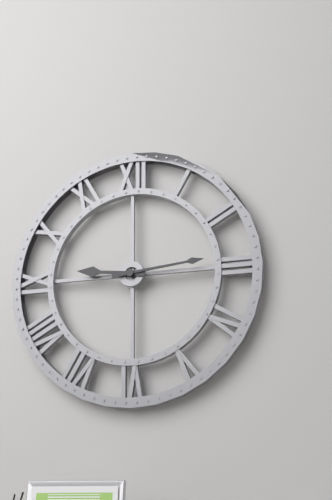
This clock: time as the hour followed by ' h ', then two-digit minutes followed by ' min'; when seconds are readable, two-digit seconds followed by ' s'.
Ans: 9 h 14 min
